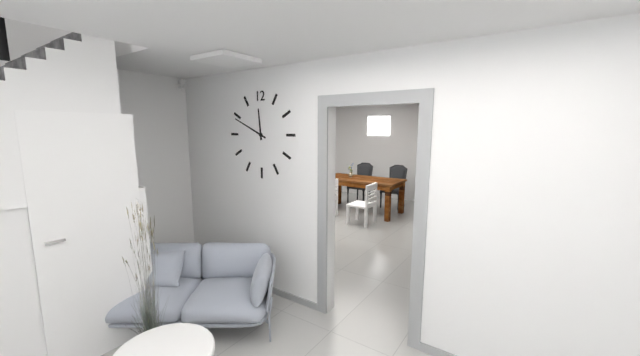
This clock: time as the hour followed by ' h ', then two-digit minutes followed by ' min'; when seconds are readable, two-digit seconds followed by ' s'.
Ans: 11 h 49 min
